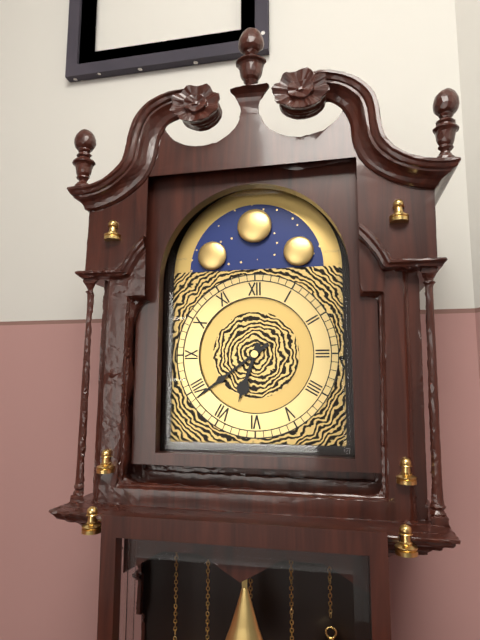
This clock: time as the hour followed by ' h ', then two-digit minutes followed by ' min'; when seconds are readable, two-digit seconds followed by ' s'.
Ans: 6 h 39 min
